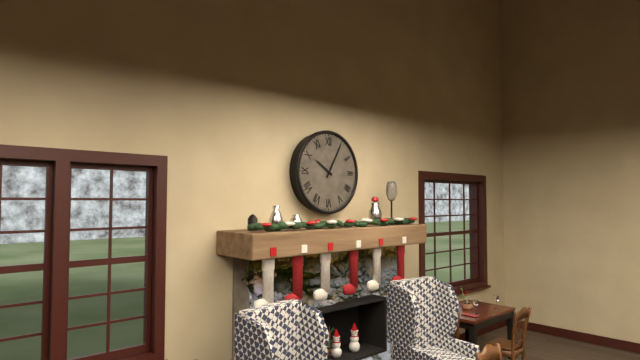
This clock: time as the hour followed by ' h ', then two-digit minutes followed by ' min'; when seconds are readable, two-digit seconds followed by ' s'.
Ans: 10 h 05 min
